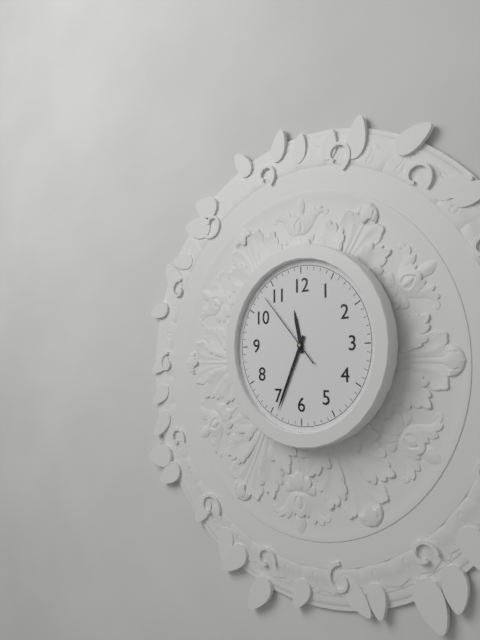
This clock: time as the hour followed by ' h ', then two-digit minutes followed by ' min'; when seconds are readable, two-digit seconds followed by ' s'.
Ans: 11 h 34 min 53 s
